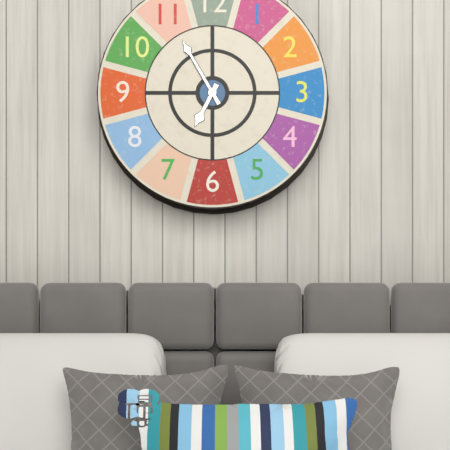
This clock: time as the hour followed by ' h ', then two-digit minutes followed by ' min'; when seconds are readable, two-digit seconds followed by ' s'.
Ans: 6 h 55 min
